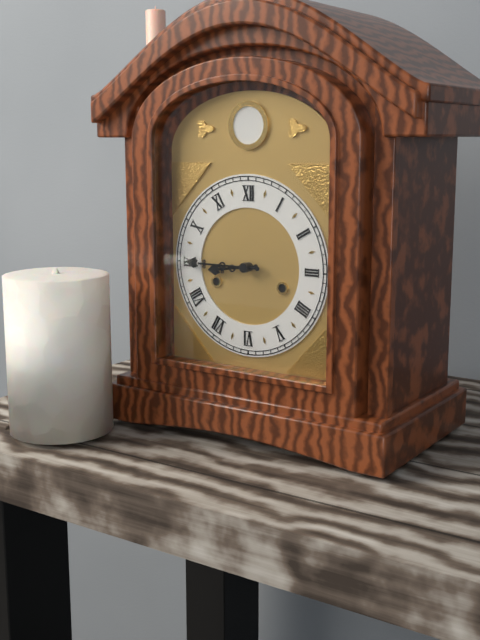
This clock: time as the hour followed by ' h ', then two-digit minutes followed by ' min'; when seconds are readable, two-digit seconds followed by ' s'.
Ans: 8 h 45 min
